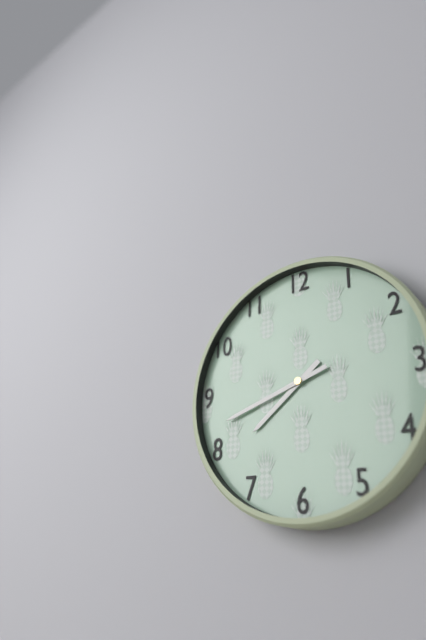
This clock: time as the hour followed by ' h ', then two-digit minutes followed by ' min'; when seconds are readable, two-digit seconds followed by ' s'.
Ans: 7 h 42 min
